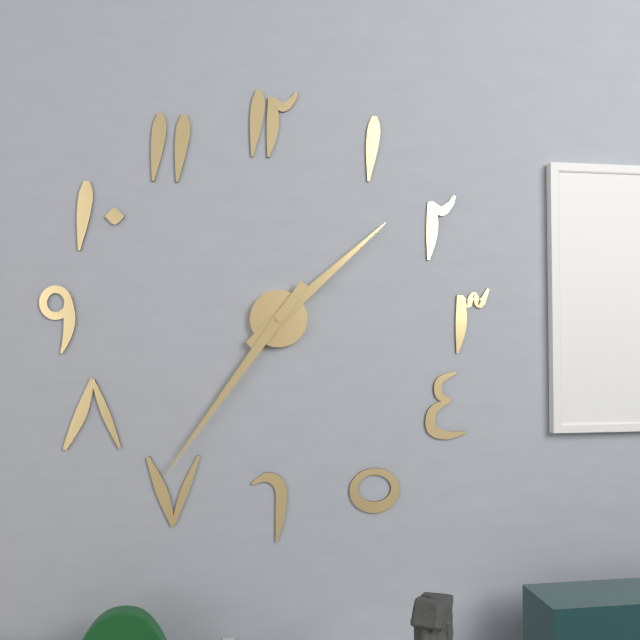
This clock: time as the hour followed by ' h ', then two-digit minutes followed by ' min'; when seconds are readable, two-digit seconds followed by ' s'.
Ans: 1 h 36 min
